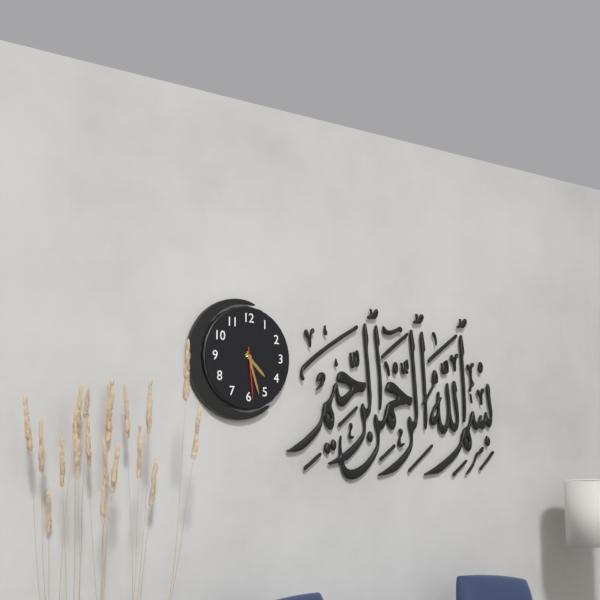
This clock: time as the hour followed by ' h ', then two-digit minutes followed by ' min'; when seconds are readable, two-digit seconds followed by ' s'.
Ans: 4 h 27 min 29 s
